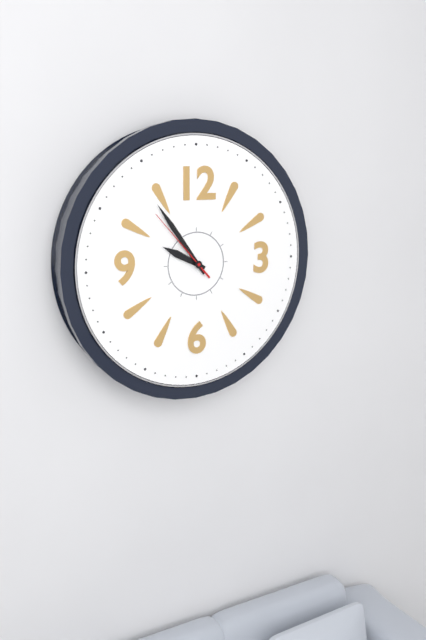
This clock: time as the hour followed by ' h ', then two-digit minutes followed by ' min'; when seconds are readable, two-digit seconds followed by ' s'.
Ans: 9 h 54 min 53 s
